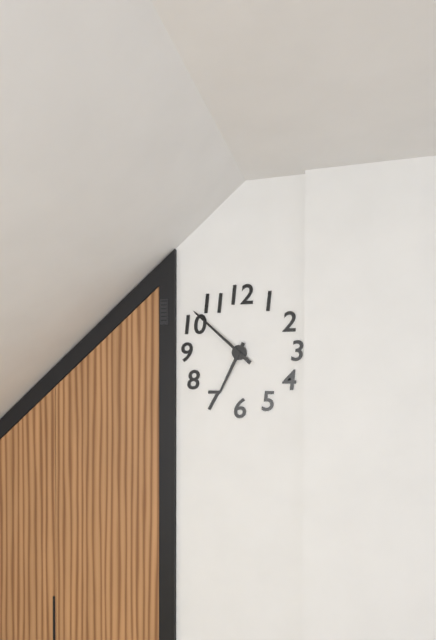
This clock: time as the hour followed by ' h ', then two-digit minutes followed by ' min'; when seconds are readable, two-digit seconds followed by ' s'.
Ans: 6 h 52 min
